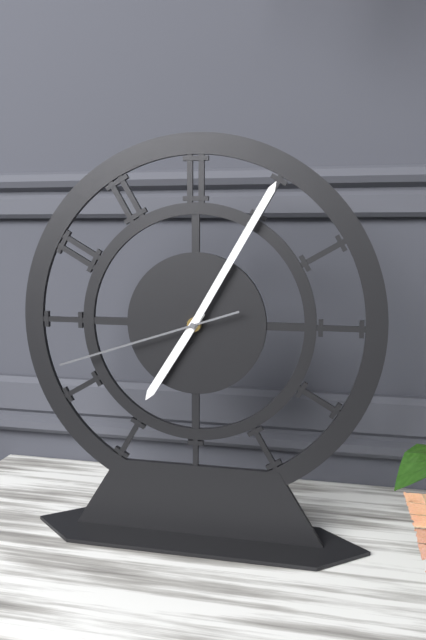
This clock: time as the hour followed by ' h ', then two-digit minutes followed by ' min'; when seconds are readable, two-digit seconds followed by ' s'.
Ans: 7 h 05 min 42 s
